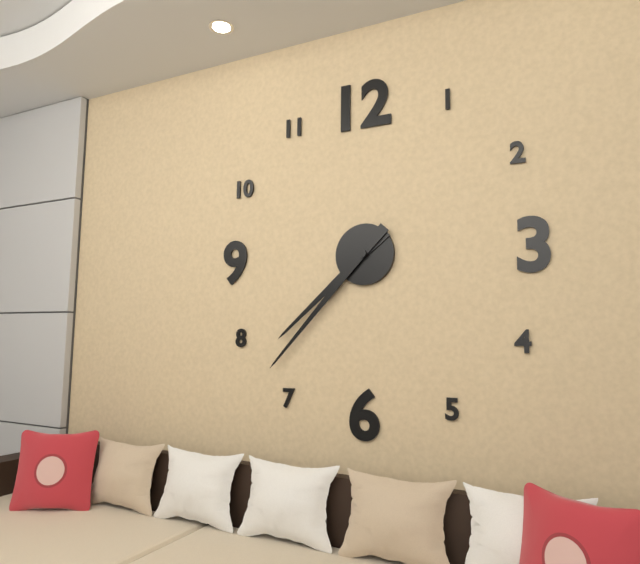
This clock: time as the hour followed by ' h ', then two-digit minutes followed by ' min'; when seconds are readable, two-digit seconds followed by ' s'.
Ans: 7 h 37 min
